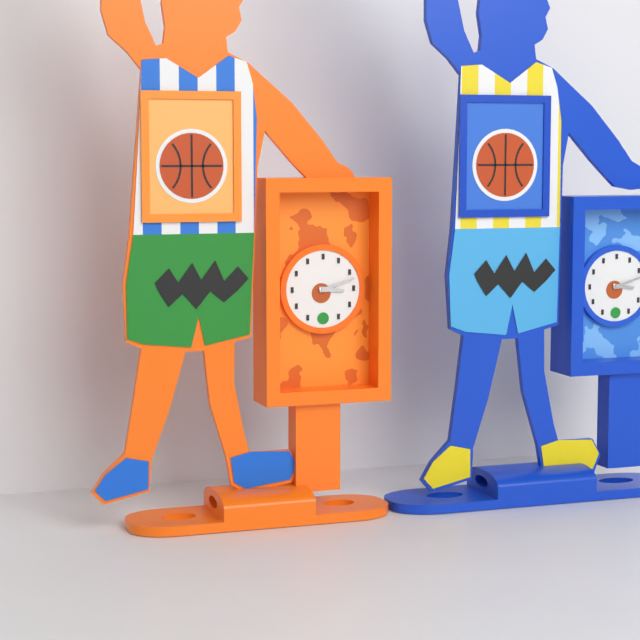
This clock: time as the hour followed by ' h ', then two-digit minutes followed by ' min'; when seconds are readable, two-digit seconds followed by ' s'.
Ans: 3 h 12 min
